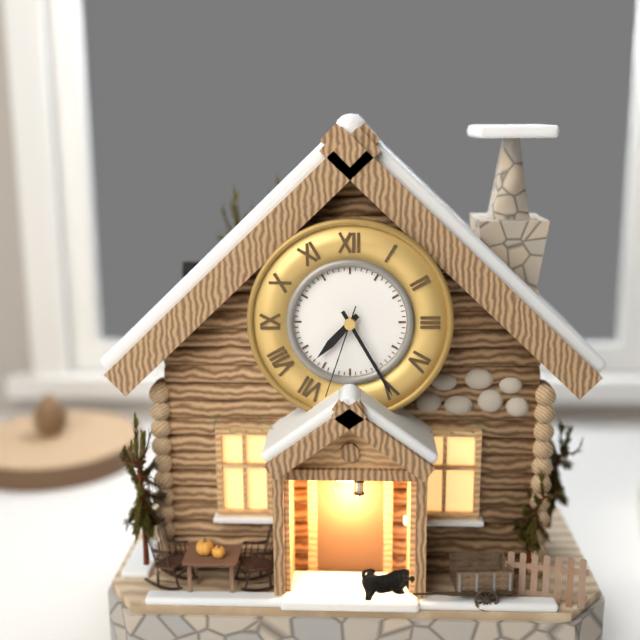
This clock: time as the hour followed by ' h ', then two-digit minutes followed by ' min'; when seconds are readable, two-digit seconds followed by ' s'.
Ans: 7 h 25 min 33 s
